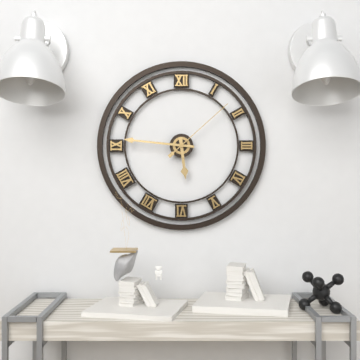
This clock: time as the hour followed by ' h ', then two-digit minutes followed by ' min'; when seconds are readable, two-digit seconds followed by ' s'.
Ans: 5 h 46 min 08 s
